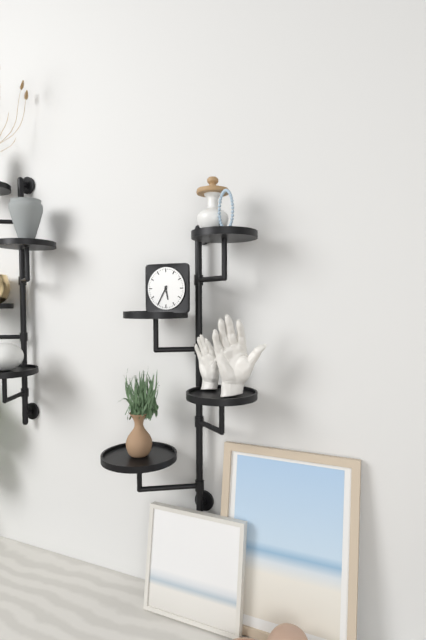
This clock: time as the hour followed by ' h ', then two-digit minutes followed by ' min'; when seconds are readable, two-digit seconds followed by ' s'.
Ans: 5 h 35 min
